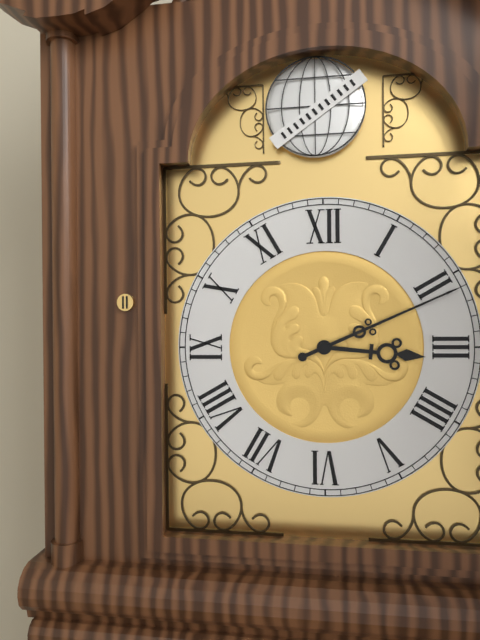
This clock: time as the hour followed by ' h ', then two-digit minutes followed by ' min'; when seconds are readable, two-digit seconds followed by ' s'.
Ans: 3 h 11 min
